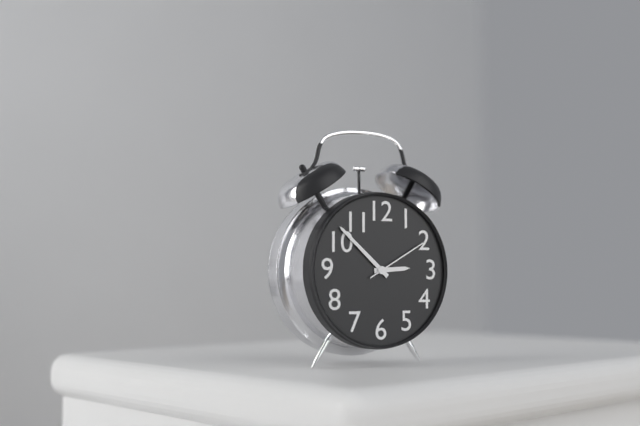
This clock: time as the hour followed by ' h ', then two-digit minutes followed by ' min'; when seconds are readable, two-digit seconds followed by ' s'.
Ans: 2 h 52 min 10 s
